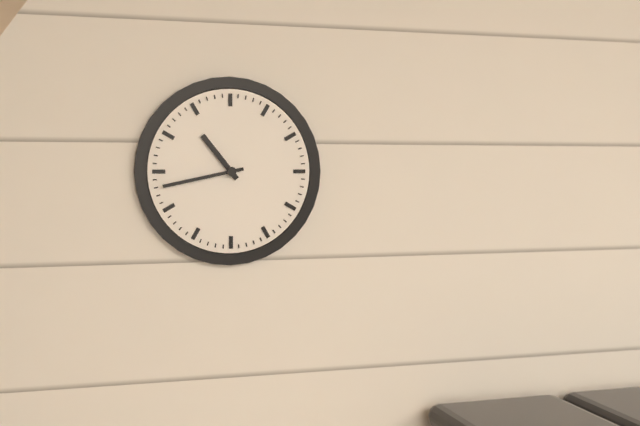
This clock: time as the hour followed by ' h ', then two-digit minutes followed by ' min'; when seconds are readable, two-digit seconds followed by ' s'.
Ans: 10 h 43 min
